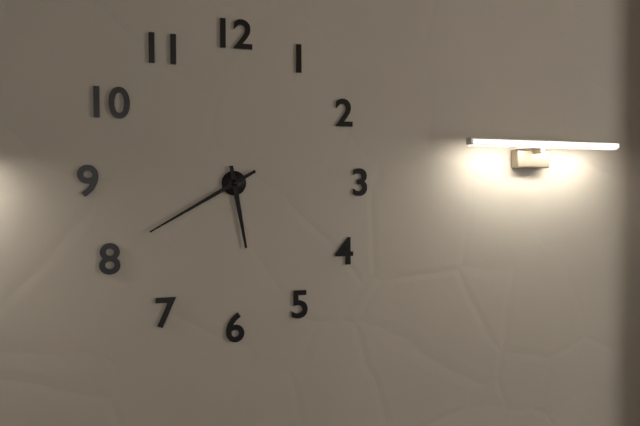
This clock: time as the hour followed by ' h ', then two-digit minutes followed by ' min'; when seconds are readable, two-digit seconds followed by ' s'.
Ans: 5 h 40 min
